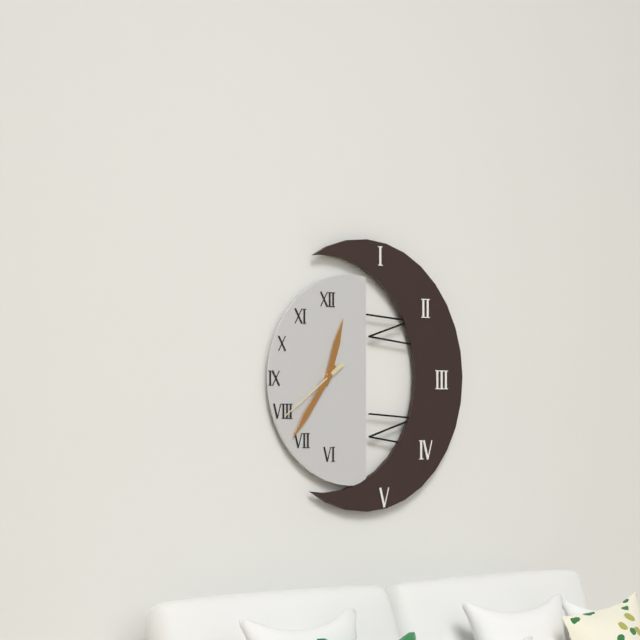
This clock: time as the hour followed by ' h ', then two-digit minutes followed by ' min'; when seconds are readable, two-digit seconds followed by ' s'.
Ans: 12 h 36 min 39 s
